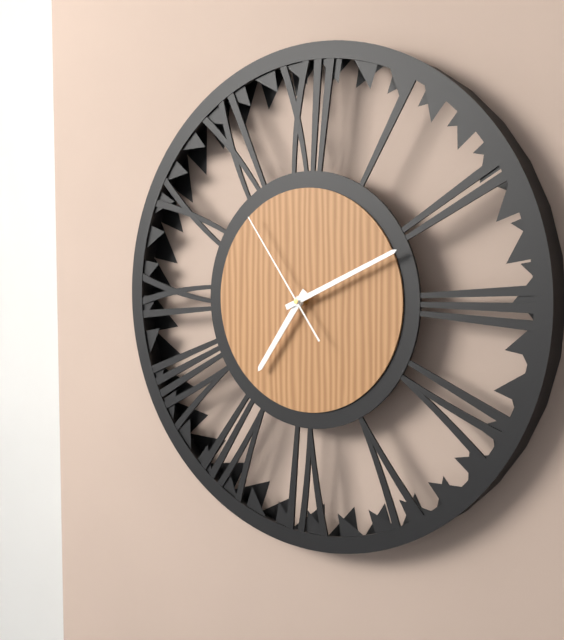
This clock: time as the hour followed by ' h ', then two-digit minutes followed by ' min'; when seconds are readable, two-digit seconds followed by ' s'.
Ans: 7 h 11 min 54 s
